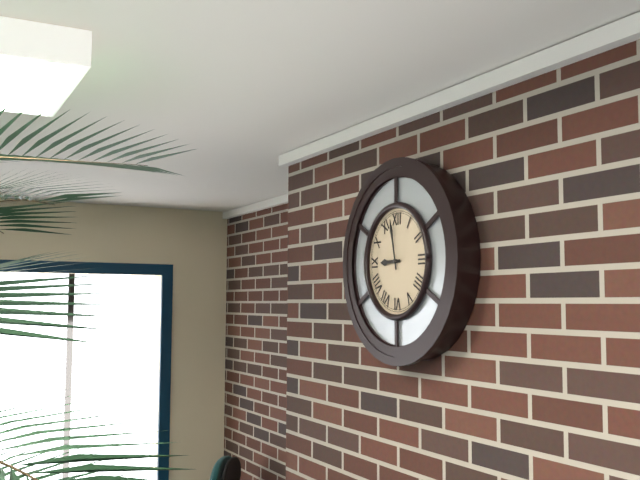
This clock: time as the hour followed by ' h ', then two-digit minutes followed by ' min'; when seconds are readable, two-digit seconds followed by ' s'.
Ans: 8 h 58 min
